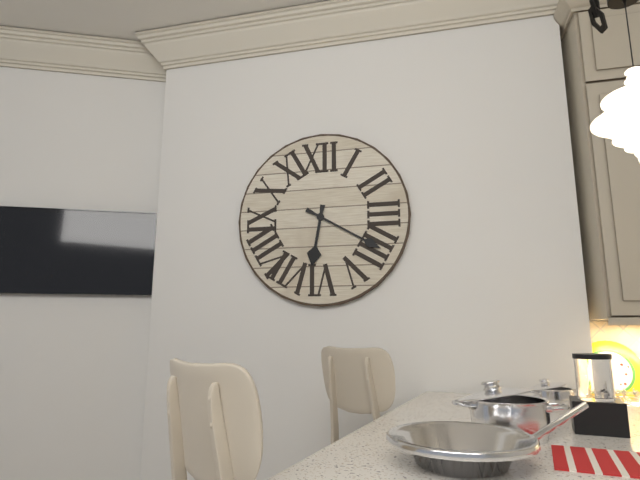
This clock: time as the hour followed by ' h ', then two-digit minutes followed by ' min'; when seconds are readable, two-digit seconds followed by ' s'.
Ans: 6 h 20 min
